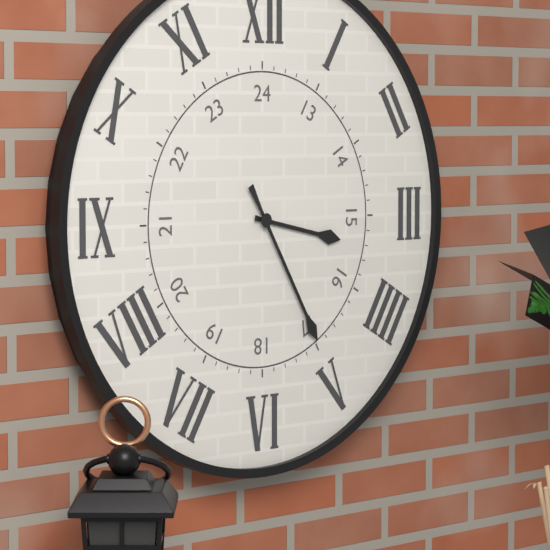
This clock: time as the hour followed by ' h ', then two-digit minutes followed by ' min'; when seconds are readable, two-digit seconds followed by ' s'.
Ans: 3 h 25 min
